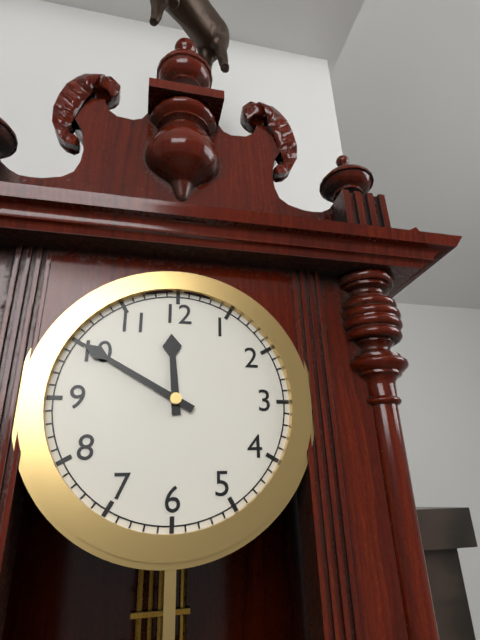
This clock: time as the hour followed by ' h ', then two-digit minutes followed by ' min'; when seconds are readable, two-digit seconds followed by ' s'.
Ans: 11 h 50 min
